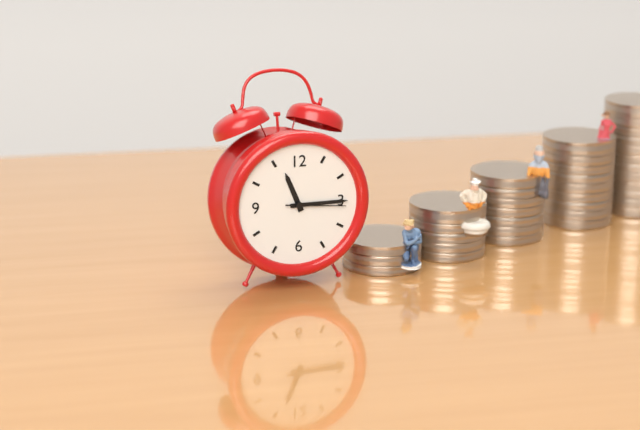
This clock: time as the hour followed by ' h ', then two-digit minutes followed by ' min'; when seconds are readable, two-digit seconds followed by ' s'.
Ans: 11 h 15 min 16 s
